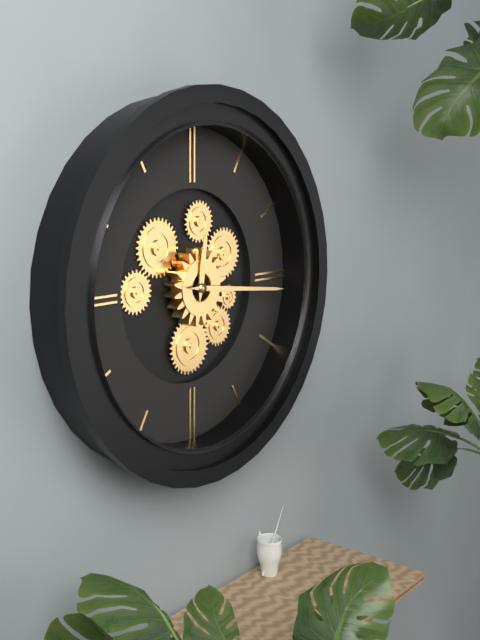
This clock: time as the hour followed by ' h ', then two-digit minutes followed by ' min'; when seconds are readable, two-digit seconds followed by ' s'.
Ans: 12 h 16 min
